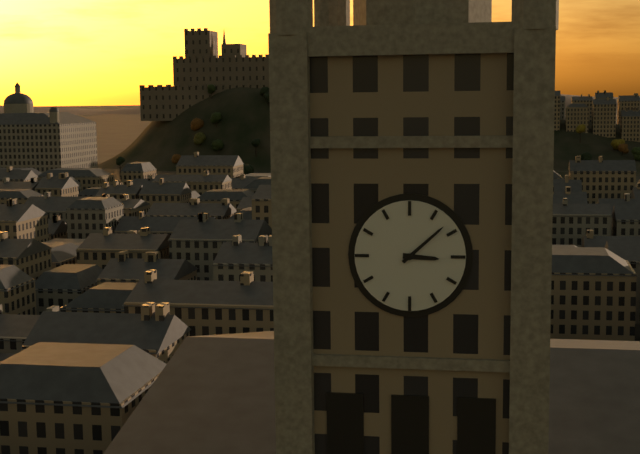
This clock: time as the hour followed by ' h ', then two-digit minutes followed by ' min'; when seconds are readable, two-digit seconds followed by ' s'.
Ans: 3 h 08 min
